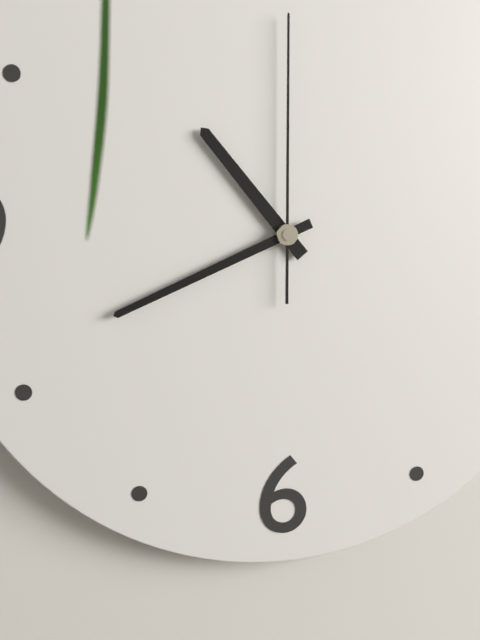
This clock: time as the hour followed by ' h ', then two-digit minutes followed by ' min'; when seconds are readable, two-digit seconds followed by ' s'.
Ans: 10 h 41 min 00 s
